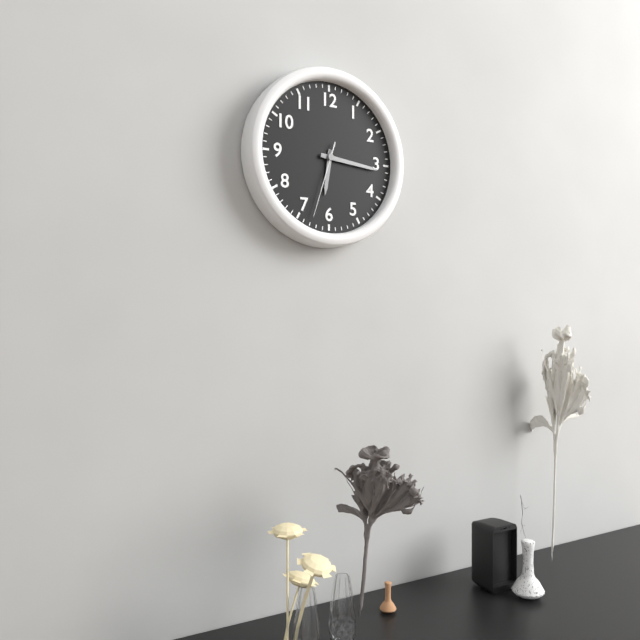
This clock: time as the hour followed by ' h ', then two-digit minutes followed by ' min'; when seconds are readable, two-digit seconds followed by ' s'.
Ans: 6 h 16 min 33 s
